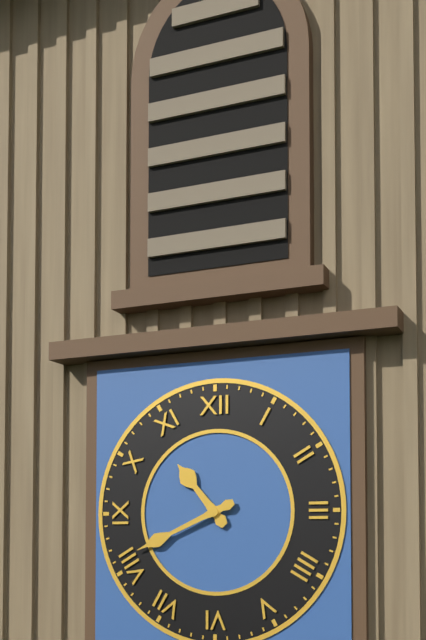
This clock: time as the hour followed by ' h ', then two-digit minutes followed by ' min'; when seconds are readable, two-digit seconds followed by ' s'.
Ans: 10 h 41 min
